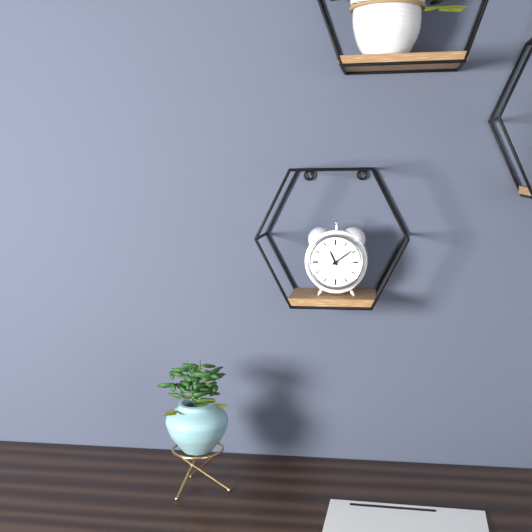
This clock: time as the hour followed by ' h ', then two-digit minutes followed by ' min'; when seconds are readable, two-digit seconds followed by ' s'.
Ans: 11 h 09 min
